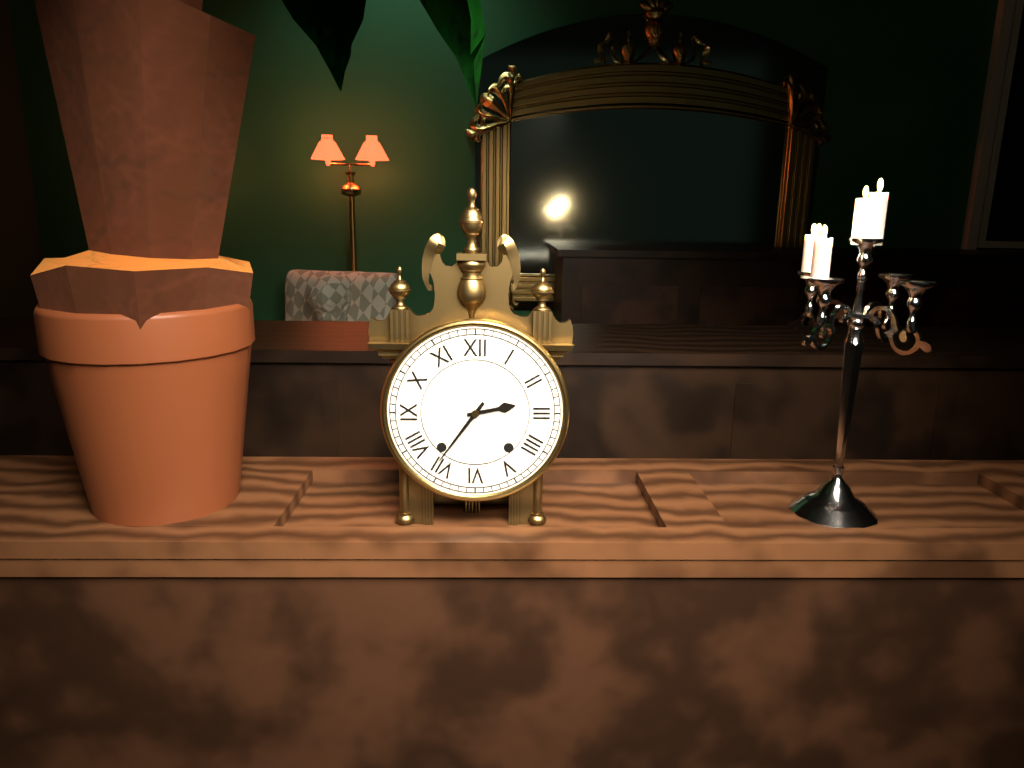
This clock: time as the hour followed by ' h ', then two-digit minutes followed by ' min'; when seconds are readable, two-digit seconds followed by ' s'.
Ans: 2 h 36 min
